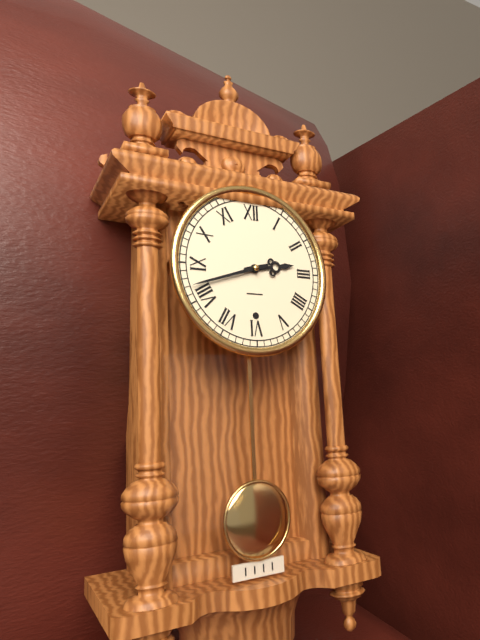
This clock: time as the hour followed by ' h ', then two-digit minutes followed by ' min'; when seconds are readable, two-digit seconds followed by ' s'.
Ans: 2 h 42 min
